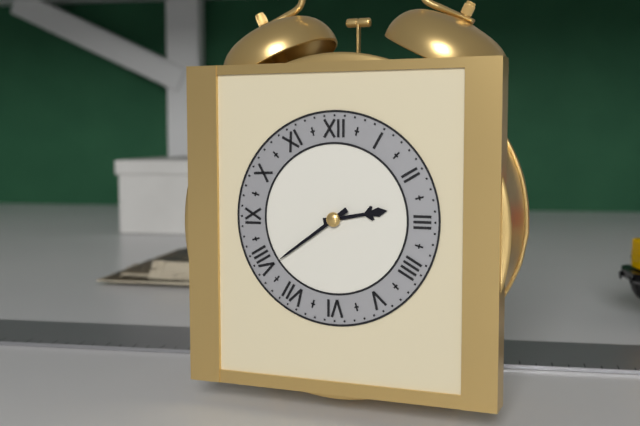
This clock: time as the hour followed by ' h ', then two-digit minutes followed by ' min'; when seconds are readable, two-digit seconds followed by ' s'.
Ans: 2 h 39 min
